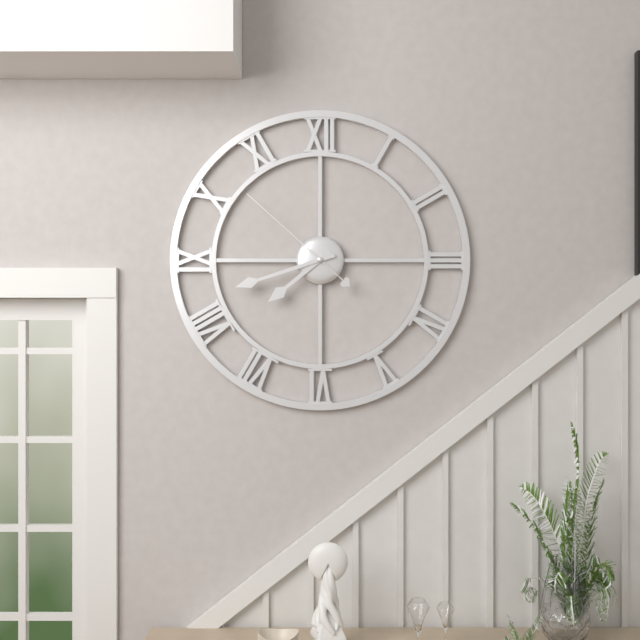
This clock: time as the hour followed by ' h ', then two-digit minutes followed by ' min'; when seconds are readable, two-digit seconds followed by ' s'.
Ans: 7 h 42 min 52 s
